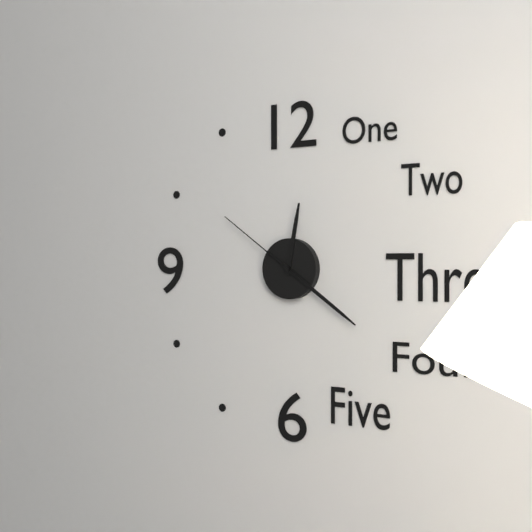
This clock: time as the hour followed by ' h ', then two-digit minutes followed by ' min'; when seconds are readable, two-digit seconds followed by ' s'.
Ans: 12 h 21 min 51 s
